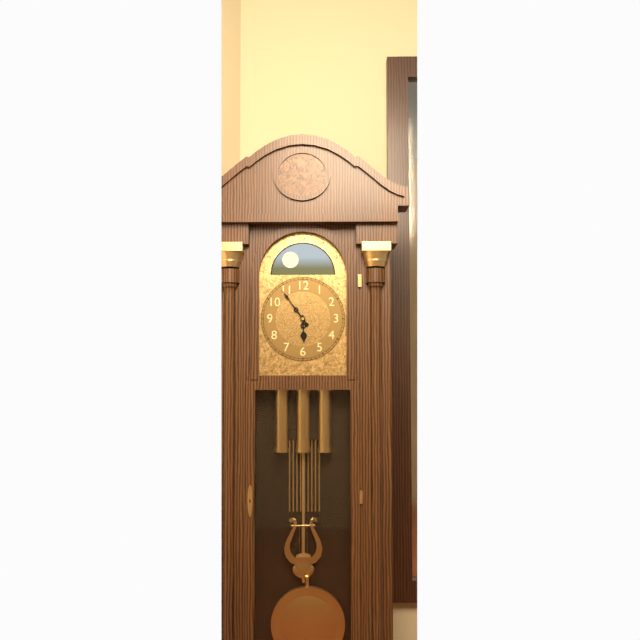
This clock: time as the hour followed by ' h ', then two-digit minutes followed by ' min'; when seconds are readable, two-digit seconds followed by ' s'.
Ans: 5 h 54 min
